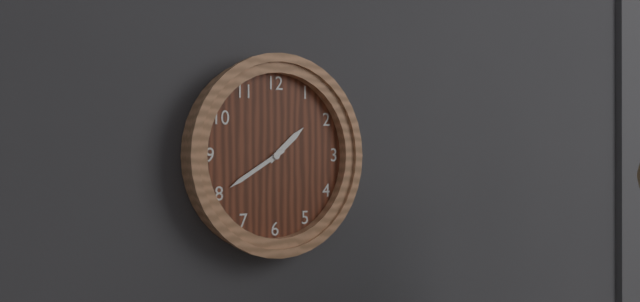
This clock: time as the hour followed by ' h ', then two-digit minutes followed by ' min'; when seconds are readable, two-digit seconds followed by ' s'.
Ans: 1 h 40 min
